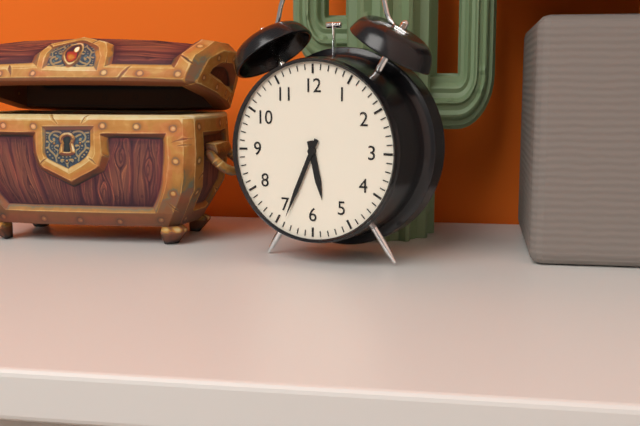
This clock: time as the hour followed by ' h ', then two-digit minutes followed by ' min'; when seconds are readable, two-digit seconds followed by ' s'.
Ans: 5 h 34 min
